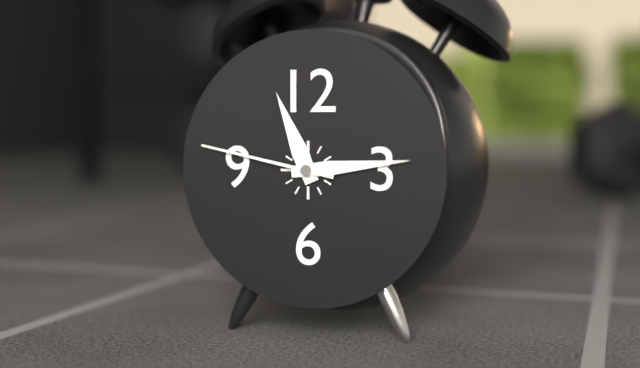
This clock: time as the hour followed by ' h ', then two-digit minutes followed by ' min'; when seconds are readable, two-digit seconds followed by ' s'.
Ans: 11 h 14 min 47 s
